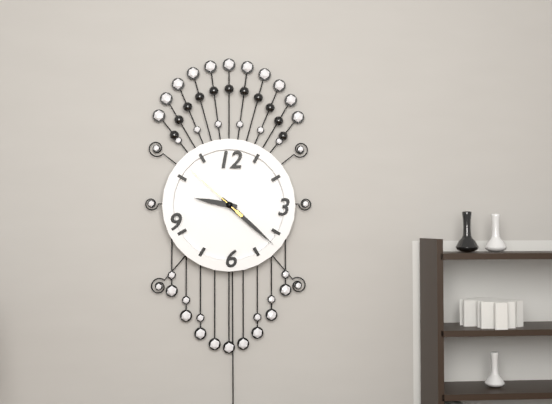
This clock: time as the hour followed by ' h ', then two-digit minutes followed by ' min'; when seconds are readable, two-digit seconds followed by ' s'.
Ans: 9 h 22 min 52 s
